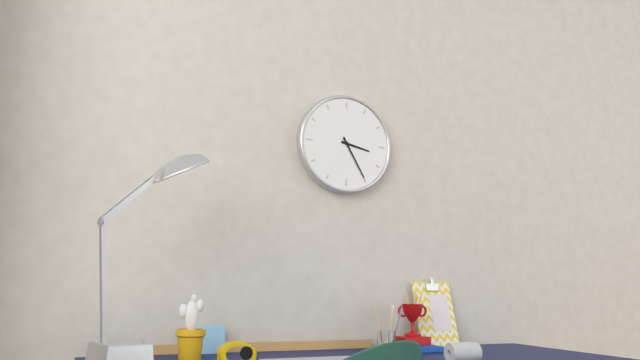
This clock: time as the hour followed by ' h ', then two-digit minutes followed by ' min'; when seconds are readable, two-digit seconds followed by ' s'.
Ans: 3 h 25 min
